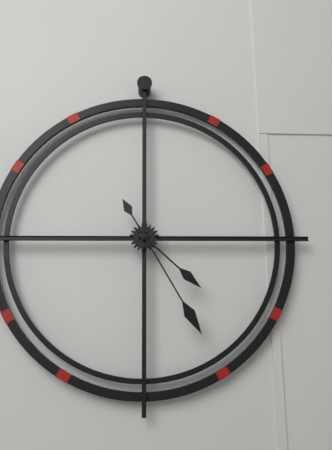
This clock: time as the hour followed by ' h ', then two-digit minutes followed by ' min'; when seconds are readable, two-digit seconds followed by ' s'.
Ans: 4 h 25 min
